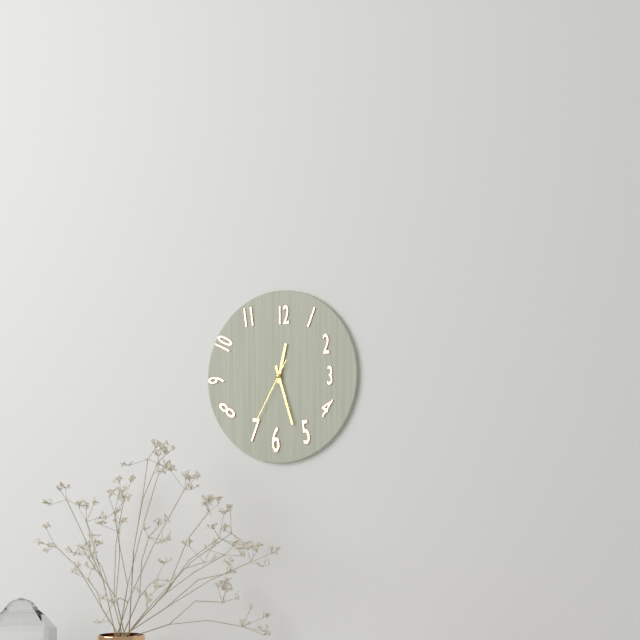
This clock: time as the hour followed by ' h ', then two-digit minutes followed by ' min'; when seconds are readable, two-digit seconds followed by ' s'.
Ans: 12 h 27 min 35 s
